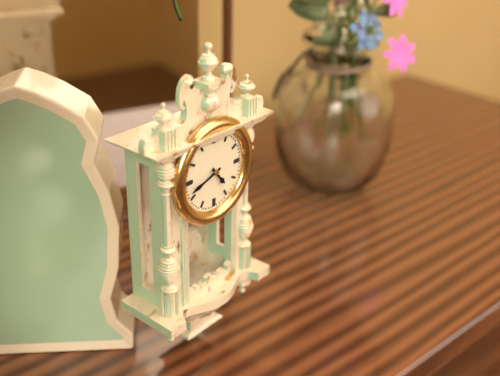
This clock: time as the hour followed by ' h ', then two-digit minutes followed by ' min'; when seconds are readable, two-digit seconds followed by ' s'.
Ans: 4 h 42 min
